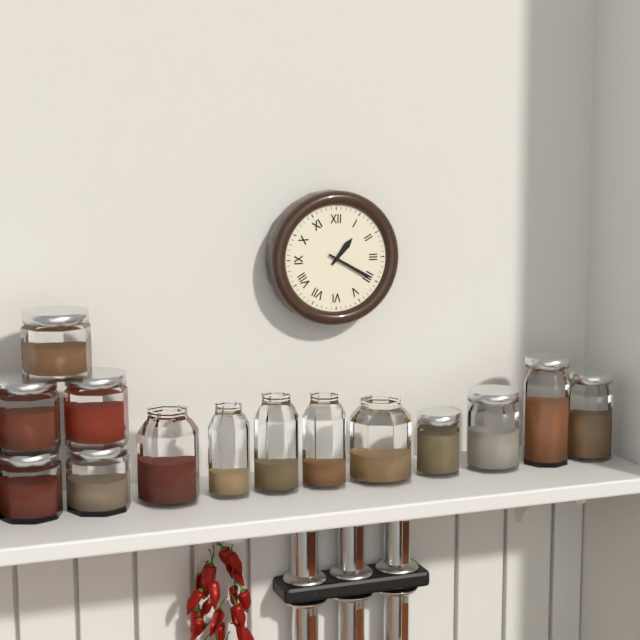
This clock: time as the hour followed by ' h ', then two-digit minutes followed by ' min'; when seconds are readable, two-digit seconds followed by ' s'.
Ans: 1 h 20 min
